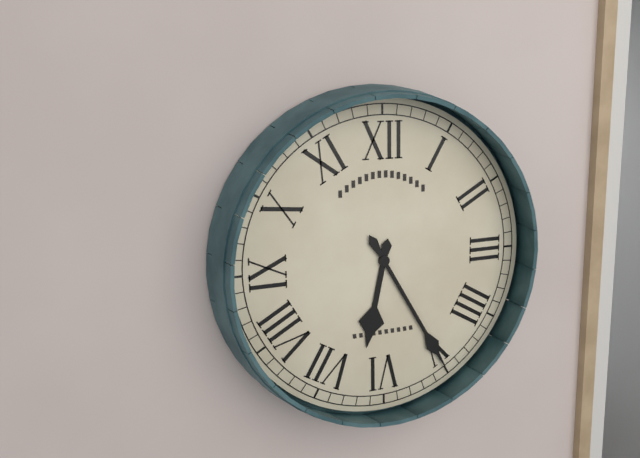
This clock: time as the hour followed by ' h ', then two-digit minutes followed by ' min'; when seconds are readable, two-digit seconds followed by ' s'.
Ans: 6 h 25 min
